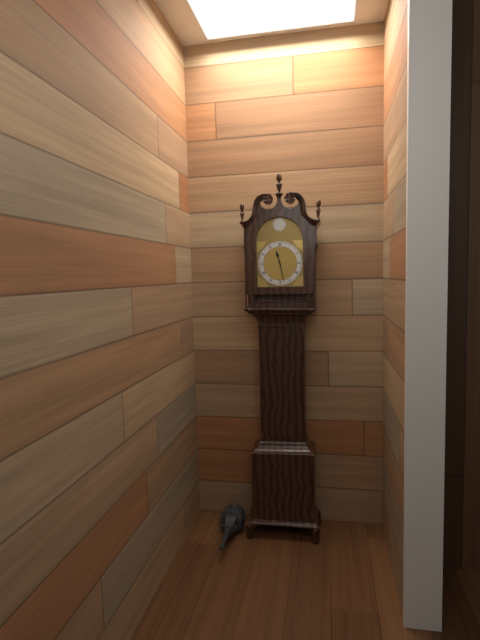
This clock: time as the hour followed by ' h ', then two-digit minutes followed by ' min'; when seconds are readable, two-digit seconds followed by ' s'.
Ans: 11 h 28 min
